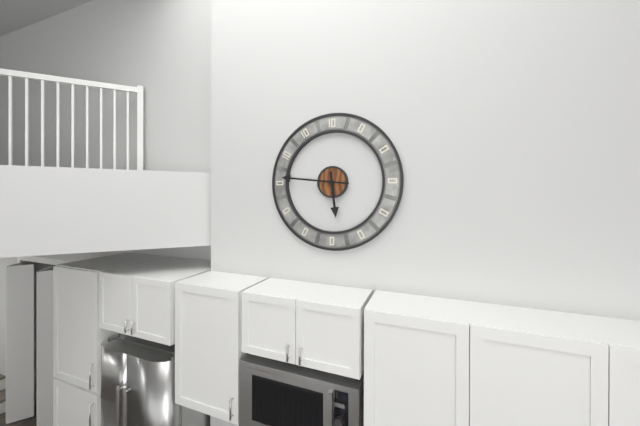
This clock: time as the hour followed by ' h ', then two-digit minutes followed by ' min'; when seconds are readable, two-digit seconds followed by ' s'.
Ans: 5 h 46 min
